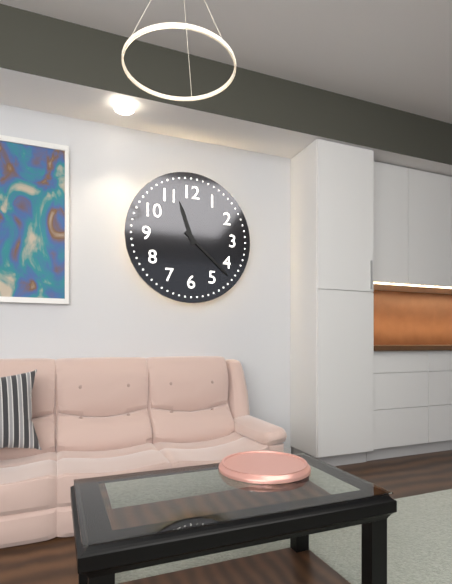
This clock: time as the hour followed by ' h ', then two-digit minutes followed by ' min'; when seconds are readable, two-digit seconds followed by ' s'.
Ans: 11 h 22 min
